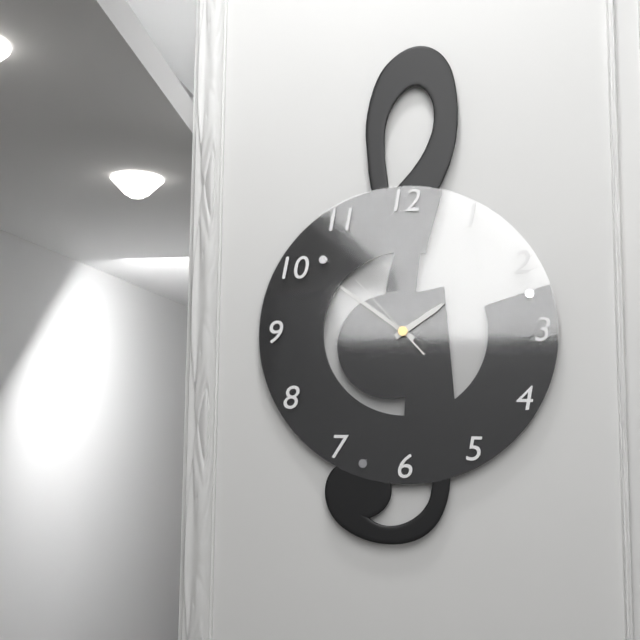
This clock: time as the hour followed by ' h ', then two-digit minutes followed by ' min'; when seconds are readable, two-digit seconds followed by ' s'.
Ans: 1 h 51 min 53 s
